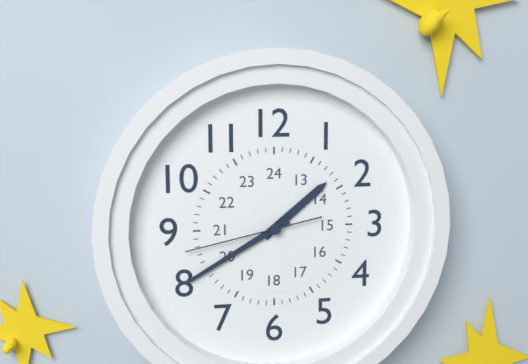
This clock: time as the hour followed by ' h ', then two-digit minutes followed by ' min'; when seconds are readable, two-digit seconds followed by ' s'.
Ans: 1 h 40 min 43 s
